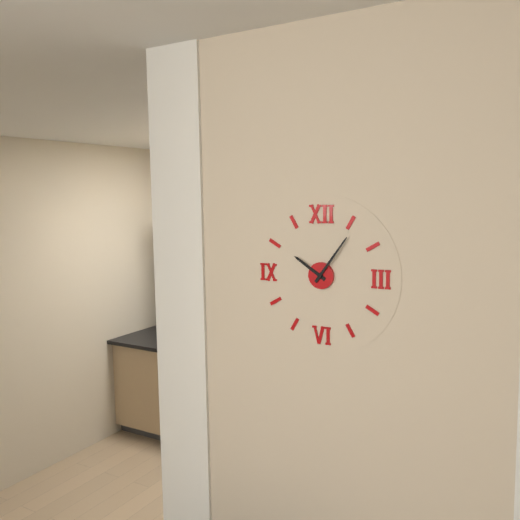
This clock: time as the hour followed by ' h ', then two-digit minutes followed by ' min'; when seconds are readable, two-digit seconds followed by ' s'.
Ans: 10 h 06 min
